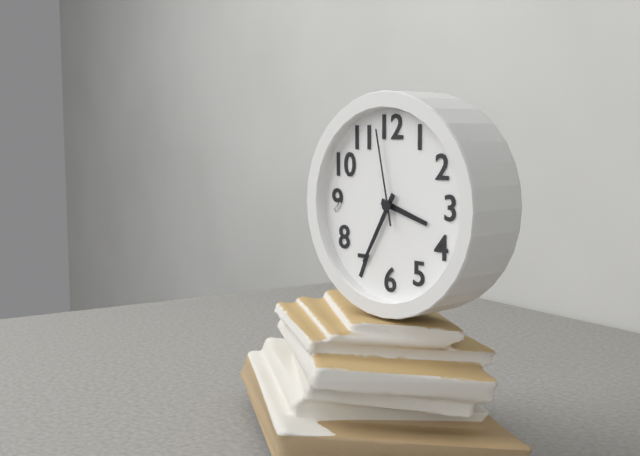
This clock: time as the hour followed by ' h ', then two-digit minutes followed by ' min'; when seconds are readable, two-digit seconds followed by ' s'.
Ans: 3 h 35 min 58 s
